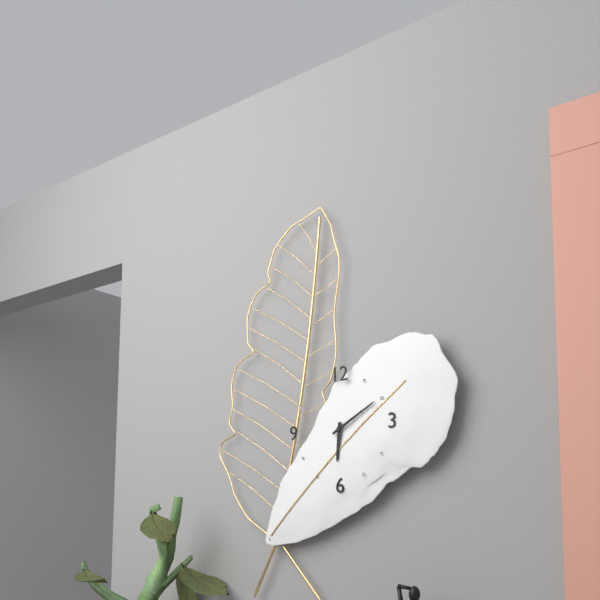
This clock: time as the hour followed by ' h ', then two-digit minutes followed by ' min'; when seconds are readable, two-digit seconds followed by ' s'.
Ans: 6 h 10 min
